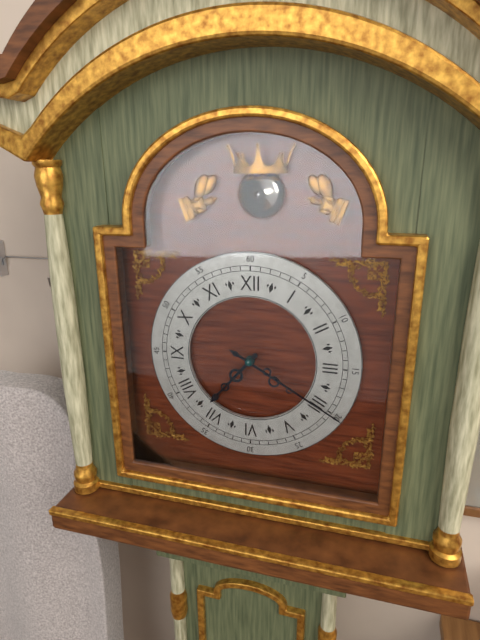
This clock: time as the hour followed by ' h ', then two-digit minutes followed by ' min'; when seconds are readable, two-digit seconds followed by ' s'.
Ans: 7 h 20 min
